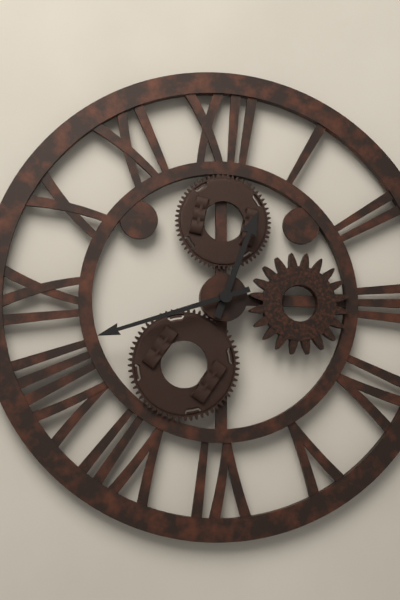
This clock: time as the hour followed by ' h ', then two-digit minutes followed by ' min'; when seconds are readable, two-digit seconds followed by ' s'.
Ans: 12 h 42 min
